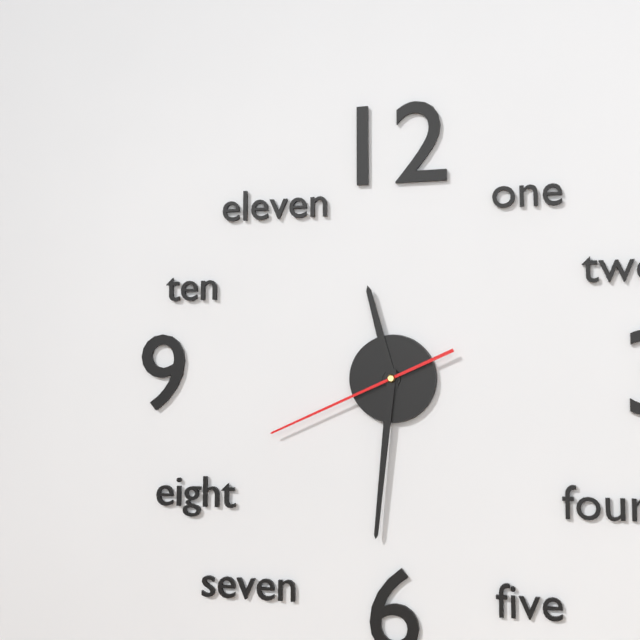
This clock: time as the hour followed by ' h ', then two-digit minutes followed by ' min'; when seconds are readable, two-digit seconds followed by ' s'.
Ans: 11 h 31 min 41 s
